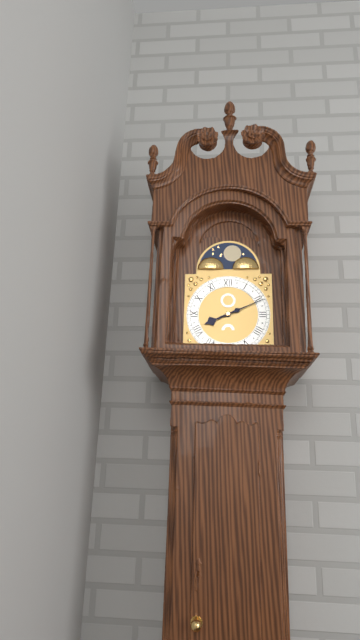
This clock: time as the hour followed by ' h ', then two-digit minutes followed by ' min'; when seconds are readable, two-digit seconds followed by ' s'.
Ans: 8 h 11 min
